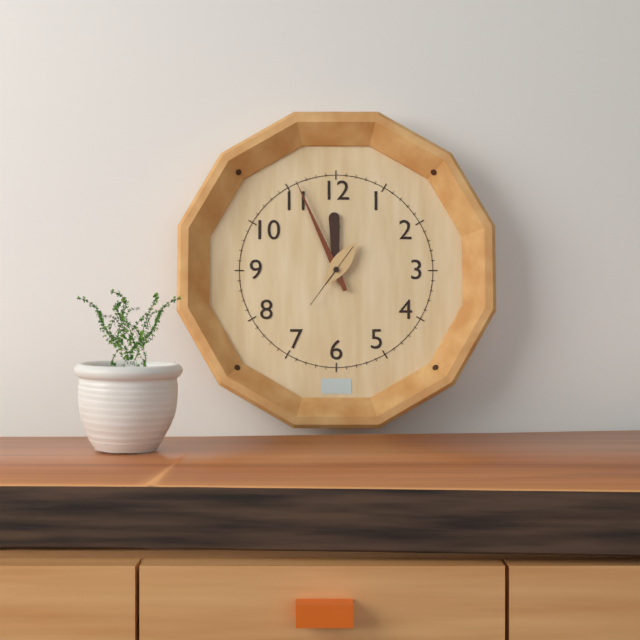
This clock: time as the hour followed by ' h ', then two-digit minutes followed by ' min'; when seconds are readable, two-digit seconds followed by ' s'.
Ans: 11 h 56 min 36 s
